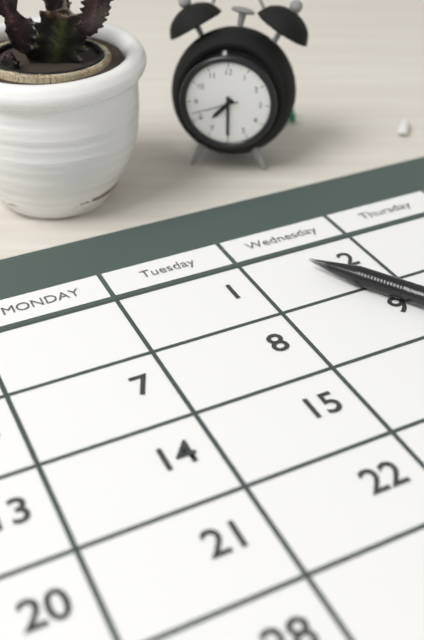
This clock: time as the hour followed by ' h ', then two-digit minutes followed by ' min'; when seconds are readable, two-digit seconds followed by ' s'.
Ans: 7 h 30 min
